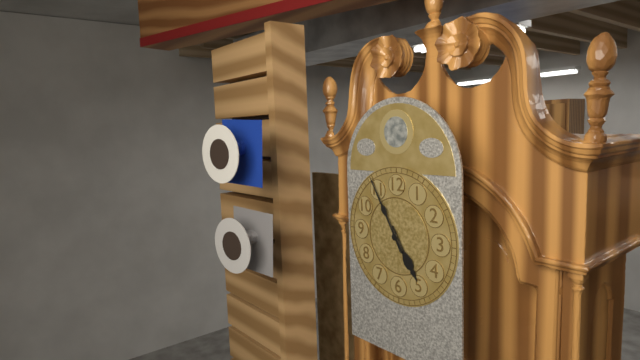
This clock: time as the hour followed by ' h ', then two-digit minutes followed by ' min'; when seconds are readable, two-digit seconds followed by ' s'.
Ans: 4 h 55 min
